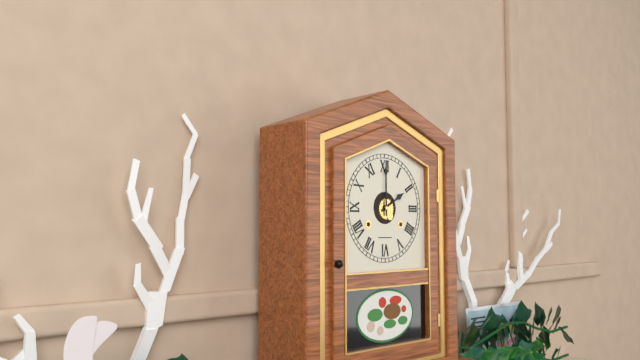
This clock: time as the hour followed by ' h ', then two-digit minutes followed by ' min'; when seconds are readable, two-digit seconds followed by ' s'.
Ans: 2 h 00 min
